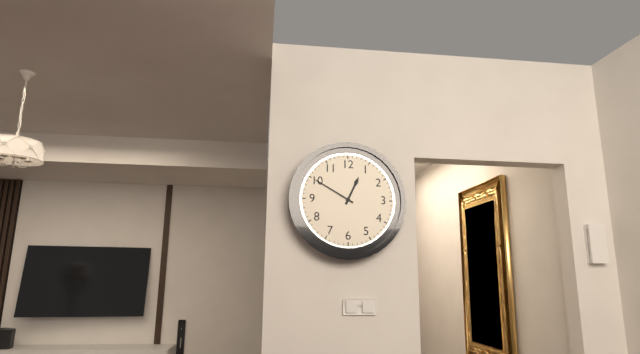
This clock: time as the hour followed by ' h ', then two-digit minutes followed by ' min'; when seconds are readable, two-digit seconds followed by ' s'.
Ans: 12 h 50 min
